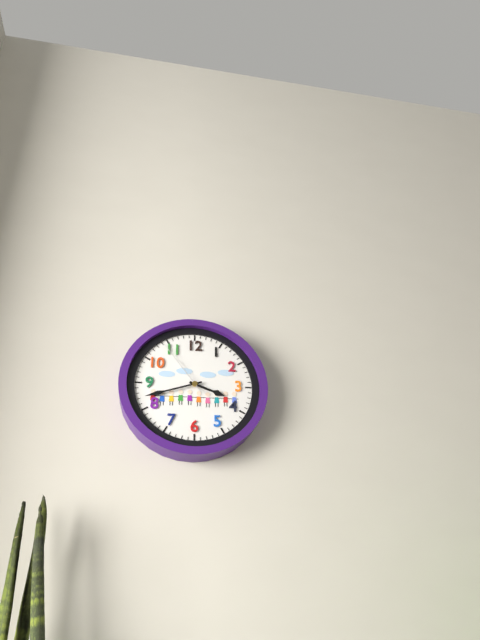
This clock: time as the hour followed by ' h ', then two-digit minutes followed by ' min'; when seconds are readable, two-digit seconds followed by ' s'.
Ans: 3 h 42 min 54 s
